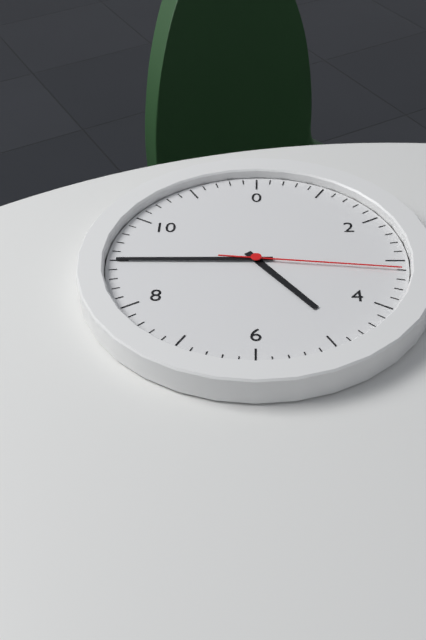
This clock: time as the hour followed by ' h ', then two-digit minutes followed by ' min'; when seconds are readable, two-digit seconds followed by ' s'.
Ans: 4 h 45 min 16 s
